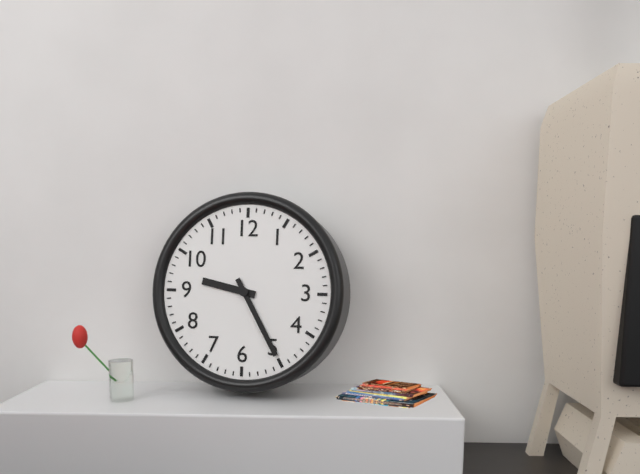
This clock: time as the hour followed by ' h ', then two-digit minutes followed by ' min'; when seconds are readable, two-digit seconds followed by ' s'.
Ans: 9 h 25 min
